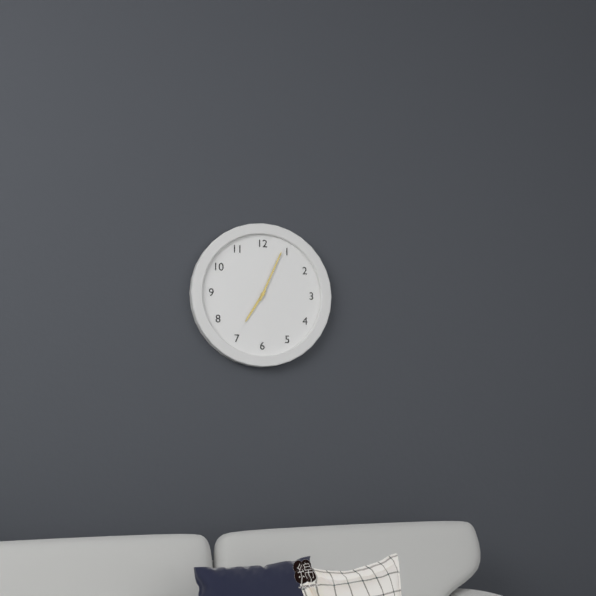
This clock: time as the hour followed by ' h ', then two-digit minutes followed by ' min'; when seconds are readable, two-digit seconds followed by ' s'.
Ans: 7 h 04 min
